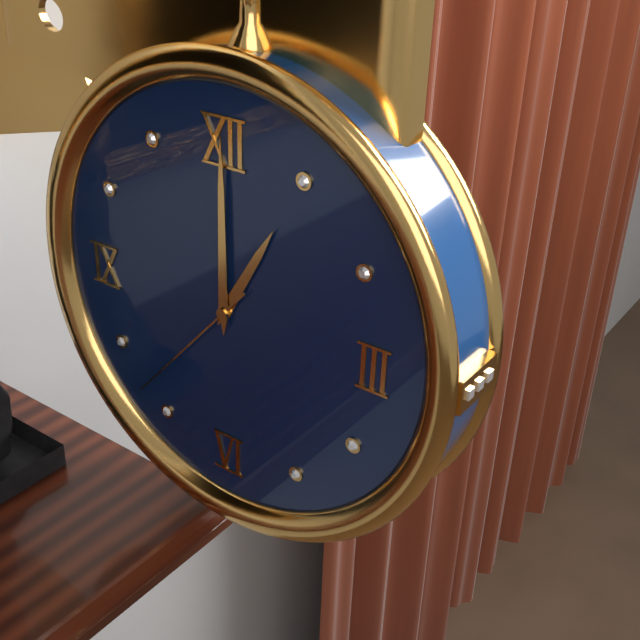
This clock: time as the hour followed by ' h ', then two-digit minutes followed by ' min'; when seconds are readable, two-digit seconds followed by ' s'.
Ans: 1 h 00 min 37 s
